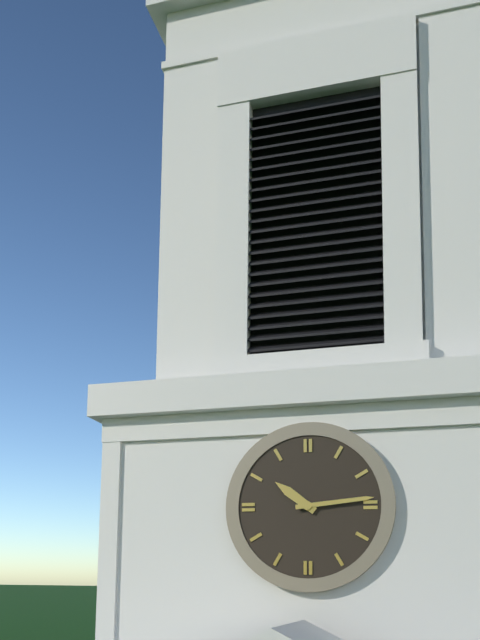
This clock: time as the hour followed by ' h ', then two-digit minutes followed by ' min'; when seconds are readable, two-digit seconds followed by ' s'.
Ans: 10 h 14 min
